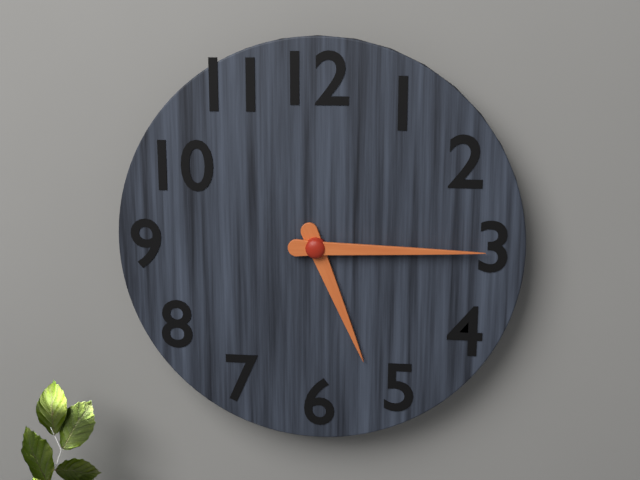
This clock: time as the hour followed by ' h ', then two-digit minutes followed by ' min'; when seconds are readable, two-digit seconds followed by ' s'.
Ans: 5 h 15 min
